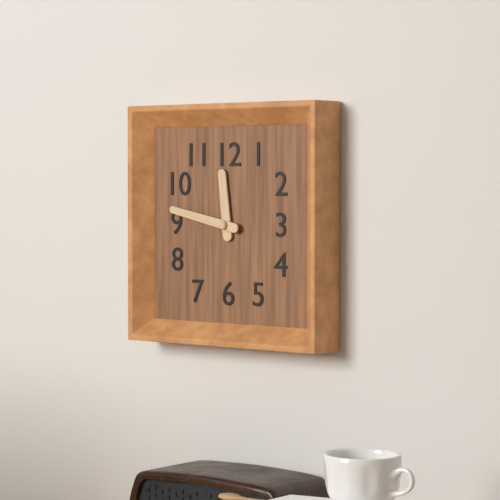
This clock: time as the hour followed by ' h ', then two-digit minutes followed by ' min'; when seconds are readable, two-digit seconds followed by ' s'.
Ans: 11 h 47 min
